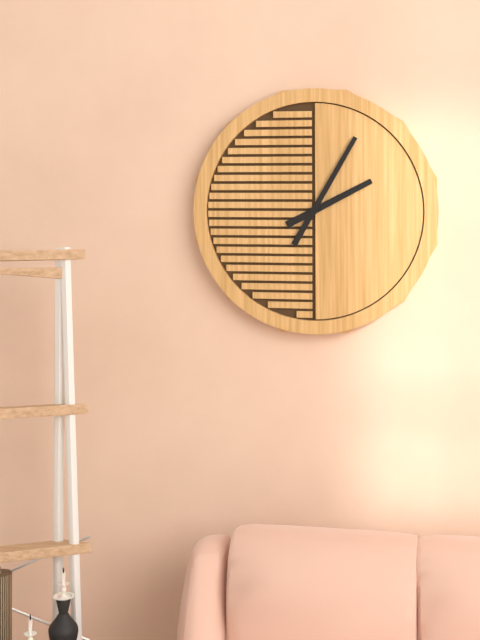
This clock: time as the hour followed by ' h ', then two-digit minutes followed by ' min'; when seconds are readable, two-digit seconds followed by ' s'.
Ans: 2 h 05 min
